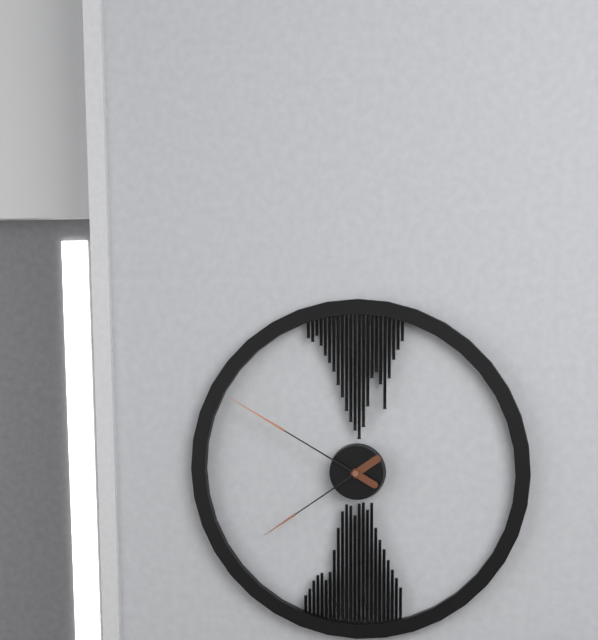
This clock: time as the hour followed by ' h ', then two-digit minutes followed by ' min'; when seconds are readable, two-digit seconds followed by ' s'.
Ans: 7 h 50 min
